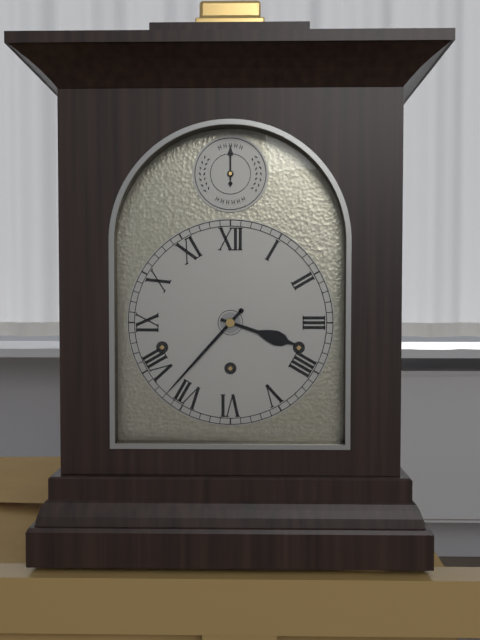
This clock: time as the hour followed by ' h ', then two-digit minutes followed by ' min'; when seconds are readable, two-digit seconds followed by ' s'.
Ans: 3 h 37 min
